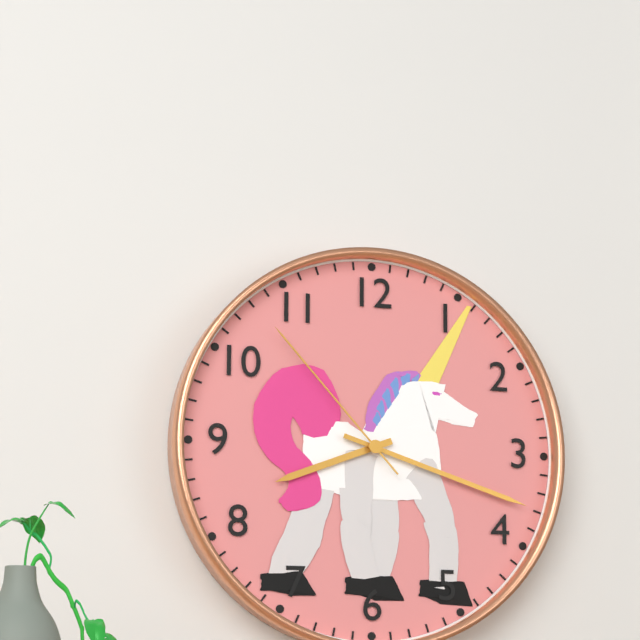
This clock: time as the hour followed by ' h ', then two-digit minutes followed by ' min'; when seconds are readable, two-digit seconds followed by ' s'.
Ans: 8 h 18 min 53 s
